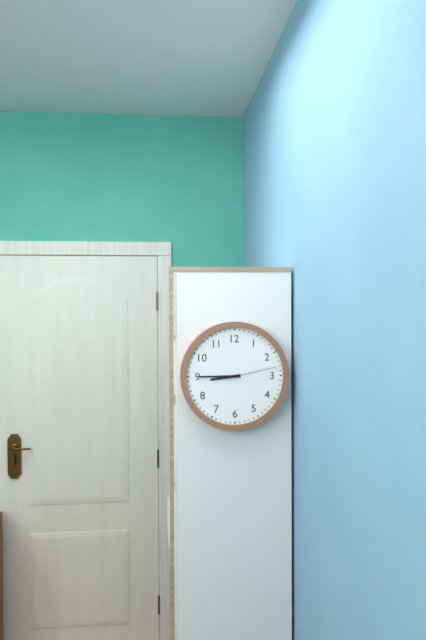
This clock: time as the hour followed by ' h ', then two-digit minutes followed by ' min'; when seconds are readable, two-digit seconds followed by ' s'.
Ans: 8 h 45 min 13 s
